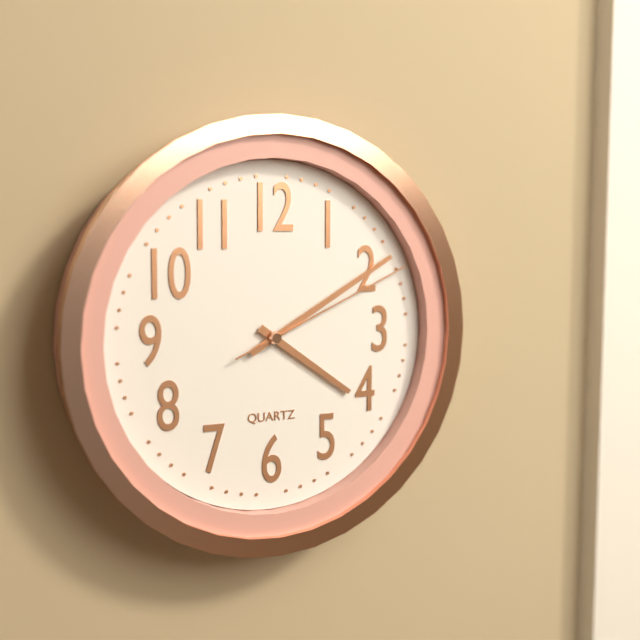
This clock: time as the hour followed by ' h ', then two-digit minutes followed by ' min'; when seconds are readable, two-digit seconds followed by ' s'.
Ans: 4 h 10 min 11 s
